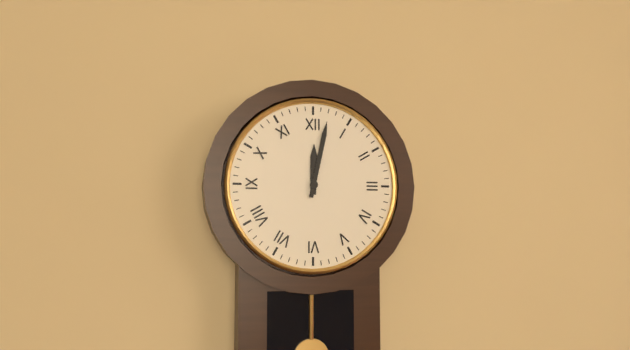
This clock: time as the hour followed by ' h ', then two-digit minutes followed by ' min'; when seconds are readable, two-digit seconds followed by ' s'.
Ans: 12 h 02 min
